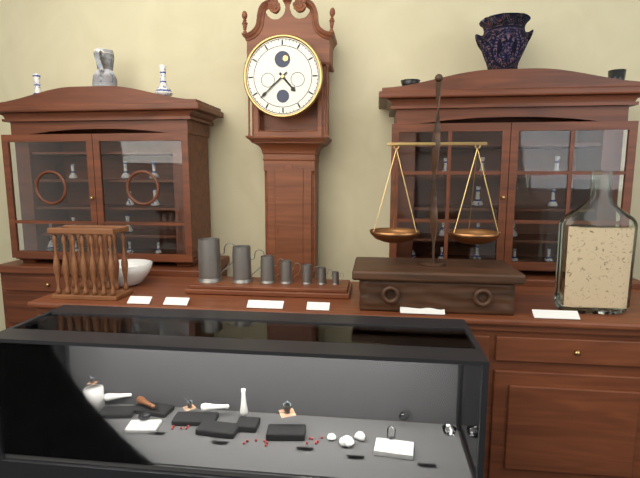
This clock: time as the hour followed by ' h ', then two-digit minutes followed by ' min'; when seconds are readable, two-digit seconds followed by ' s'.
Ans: 4 h 38 min
